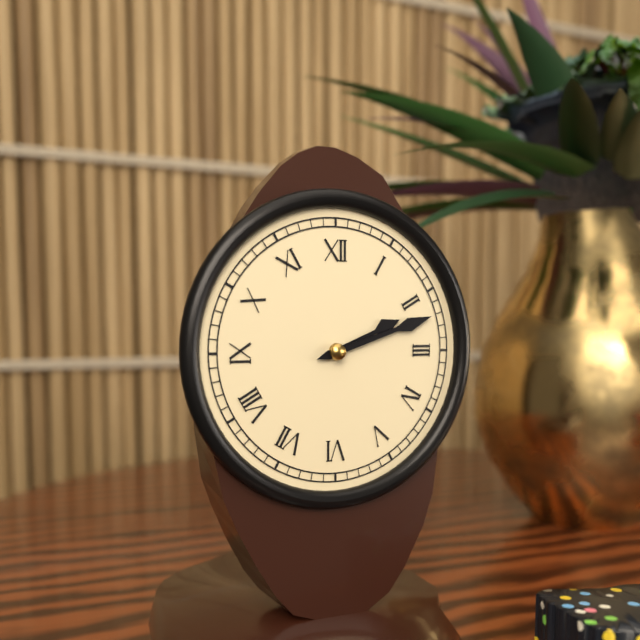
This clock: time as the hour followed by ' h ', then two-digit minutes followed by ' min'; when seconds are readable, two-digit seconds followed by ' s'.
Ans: 2 h 12 min
